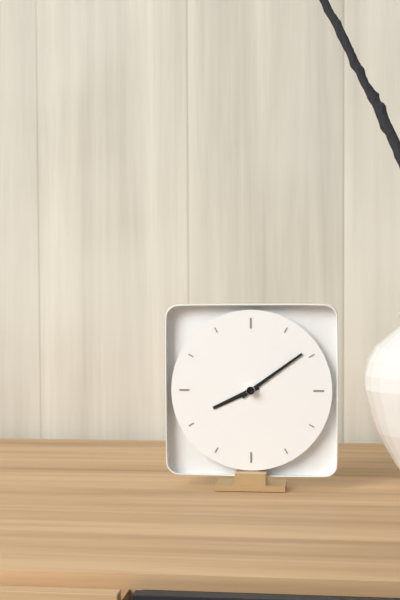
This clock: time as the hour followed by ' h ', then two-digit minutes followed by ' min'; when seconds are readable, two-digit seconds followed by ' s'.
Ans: 8 h 09 min
